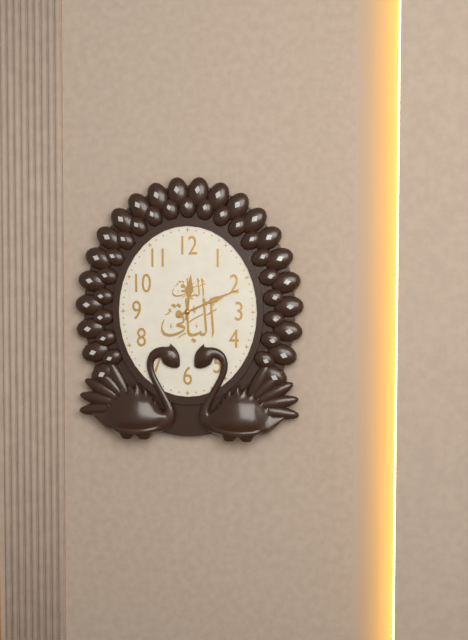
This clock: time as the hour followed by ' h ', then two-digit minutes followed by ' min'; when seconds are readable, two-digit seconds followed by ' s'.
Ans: 12 h 11 min
